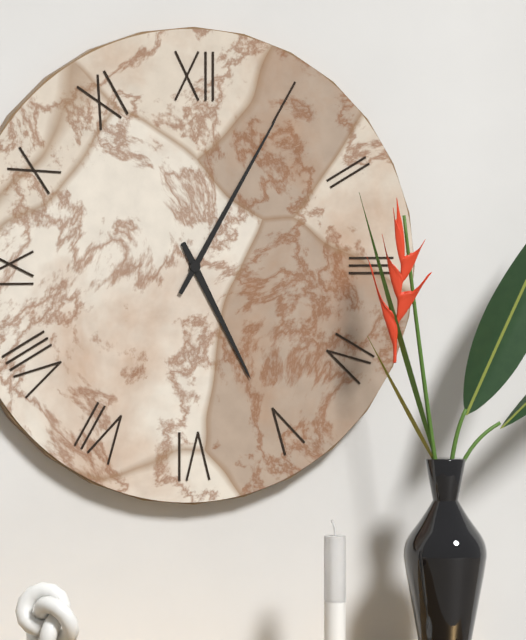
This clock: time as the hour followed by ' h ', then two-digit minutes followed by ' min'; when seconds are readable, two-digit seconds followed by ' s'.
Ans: 5 h 05 min
